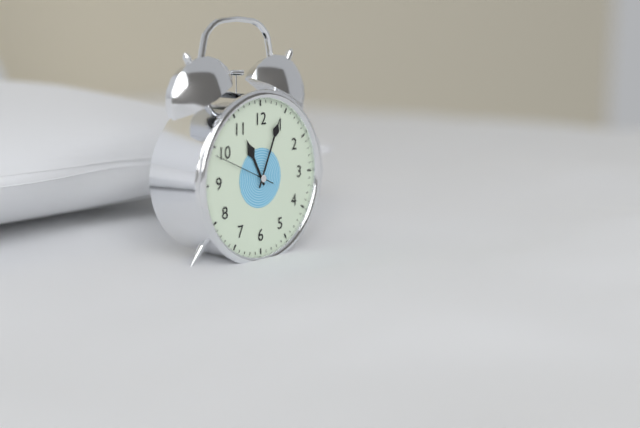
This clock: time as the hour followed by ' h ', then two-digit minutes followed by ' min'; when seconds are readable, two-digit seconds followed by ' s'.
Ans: 11 h 04 min 49 s
